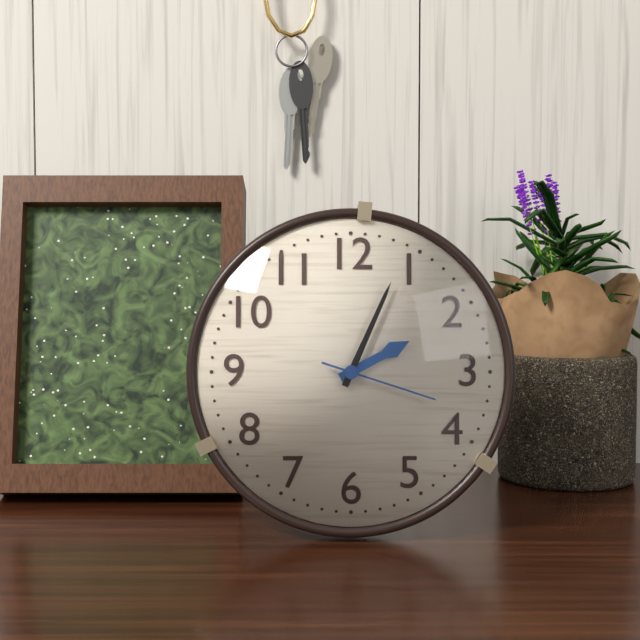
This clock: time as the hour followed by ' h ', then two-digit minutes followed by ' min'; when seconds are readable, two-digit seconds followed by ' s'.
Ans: 2 h 04 min 18 s
